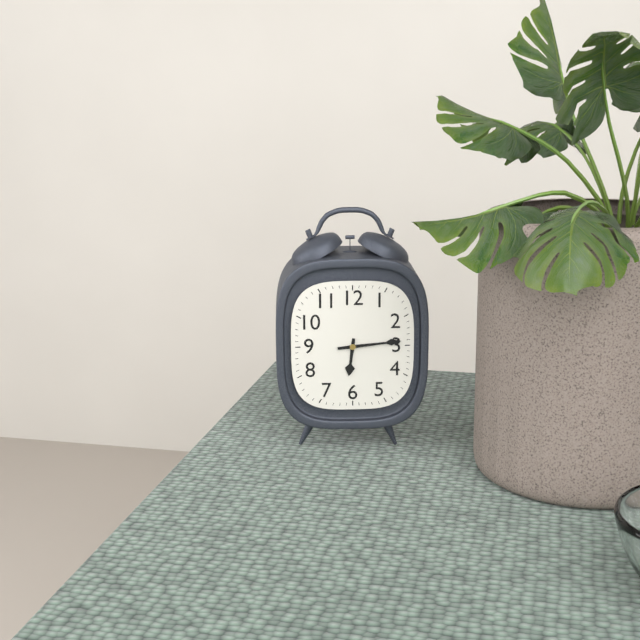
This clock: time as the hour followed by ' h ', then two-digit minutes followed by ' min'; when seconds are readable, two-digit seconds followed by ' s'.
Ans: 6 h 14 min
